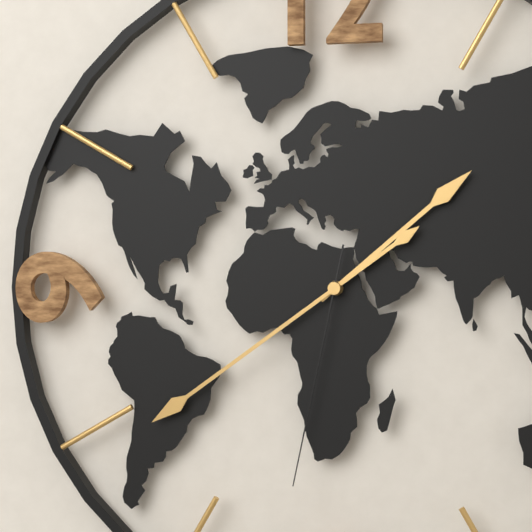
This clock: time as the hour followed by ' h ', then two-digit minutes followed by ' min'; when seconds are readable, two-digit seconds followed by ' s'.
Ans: 1 h 39 min 32 s
